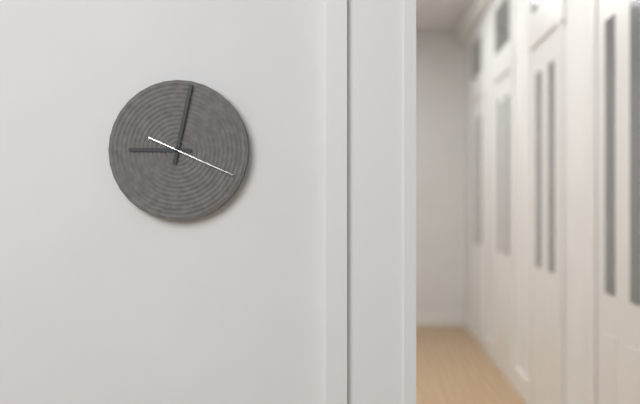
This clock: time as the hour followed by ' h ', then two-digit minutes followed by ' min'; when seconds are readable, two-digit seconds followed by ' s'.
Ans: 9 h 02 min 19 s
